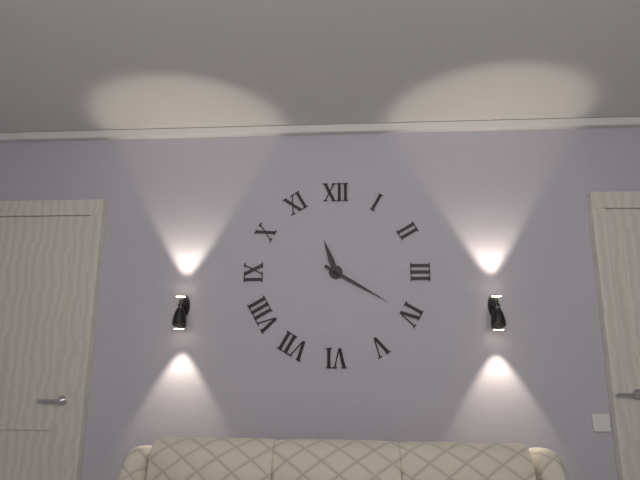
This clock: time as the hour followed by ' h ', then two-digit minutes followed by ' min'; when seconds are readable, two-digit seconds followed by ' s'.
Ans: 11 h 20 min
